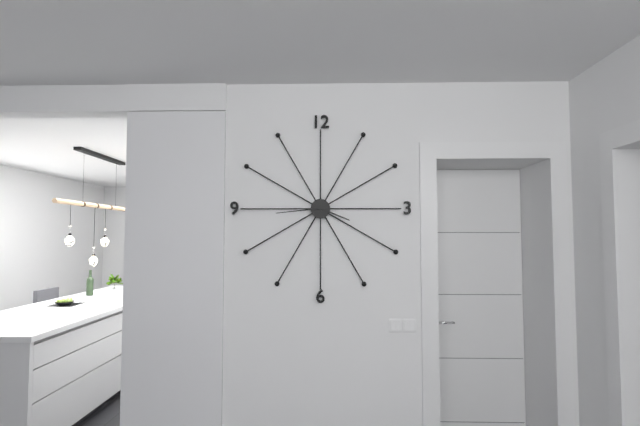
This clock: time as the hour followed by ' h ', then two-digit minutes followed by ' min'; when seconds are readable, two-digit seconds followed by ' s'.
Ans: 3 h 44 min
